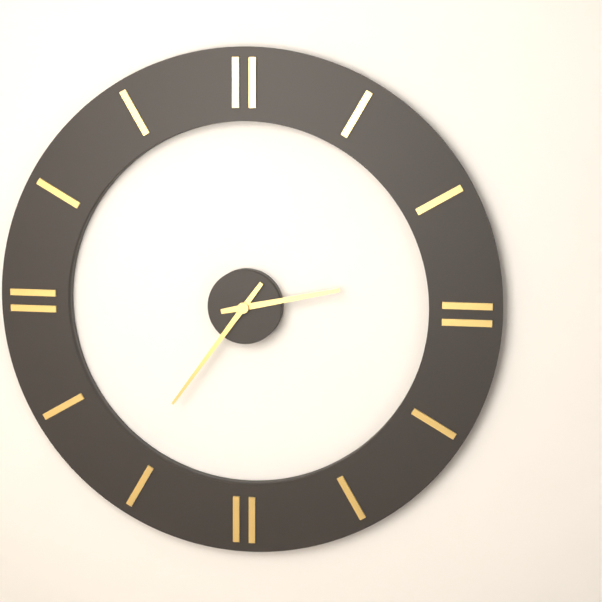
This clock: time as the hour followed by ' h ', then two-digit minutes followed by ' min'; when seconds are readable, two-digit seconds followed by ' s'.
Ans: 2 h 36 min
